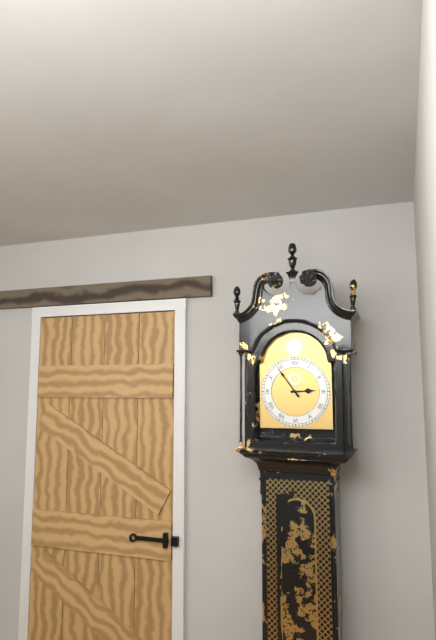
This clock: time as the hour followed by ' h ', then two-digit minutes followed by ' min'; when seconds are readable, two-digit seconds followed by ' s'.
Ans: 2 h 54 min
